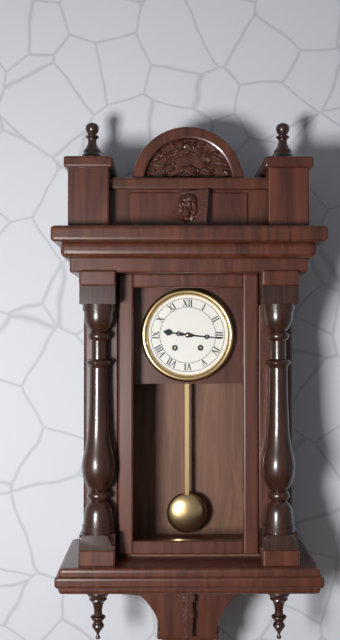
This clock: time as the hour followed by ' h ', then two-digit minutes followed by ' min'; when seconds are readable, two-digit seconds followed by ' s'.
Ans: 9 h 16 min
